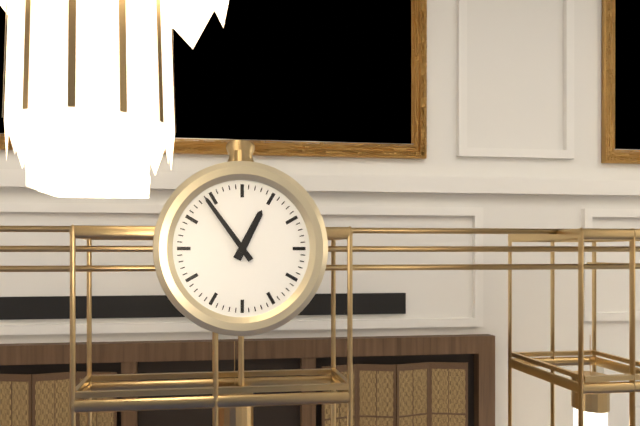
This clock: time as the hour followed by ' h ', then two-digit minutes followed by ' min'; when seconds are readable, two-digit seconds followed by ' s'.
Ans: 12 h 54 min
